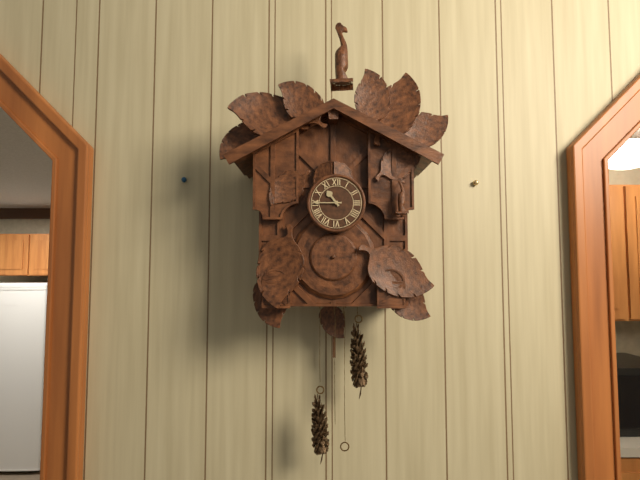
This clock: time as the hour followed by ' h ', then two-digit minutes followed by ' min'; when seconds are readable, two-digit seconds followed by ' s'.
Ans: 10 h 45 min
